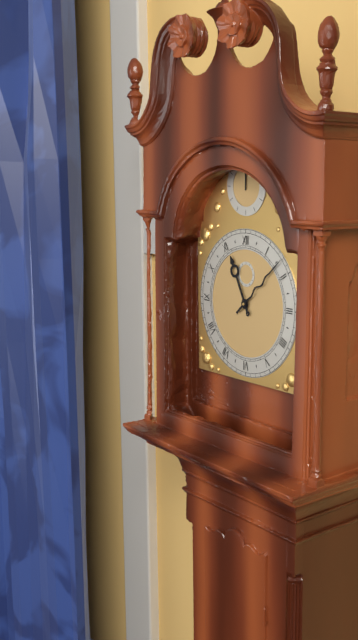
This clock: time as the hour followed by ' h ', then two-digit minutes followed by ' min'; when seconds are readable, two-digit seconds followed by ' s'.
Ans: 11 h 08 min
